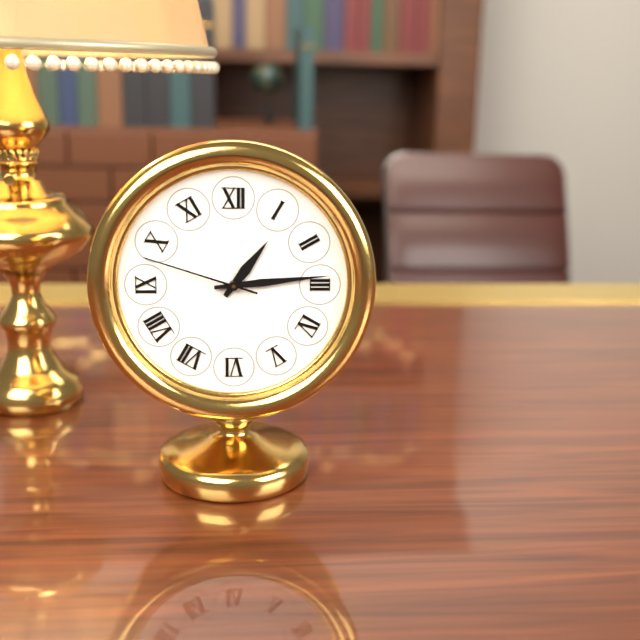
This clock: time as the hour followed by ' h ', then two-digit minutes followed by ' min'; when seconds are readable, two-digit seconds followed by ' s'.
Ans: 1 h 14 min 48 s
